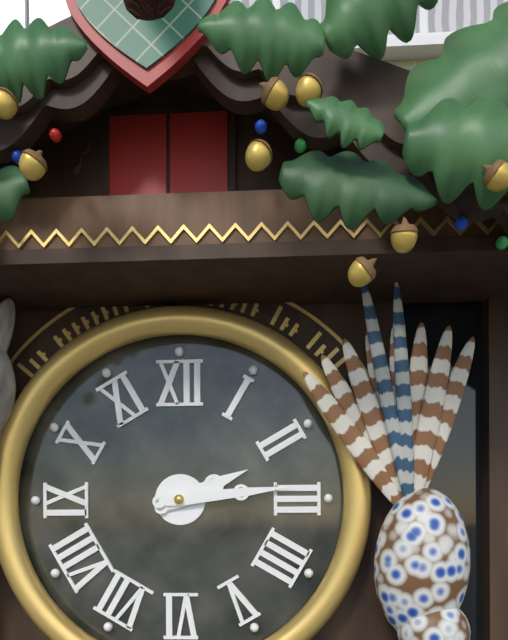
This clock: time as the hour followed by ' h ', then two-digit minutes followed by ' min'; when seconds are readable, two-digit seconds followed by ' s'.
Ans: 2 h 14 min
